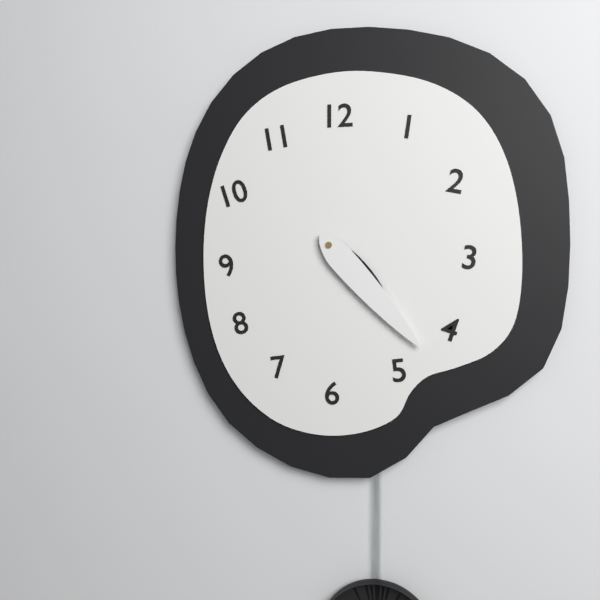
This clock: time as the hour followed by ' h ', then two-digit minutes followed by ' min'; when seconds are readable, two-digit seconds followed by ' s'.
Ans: 4 h 23 min
